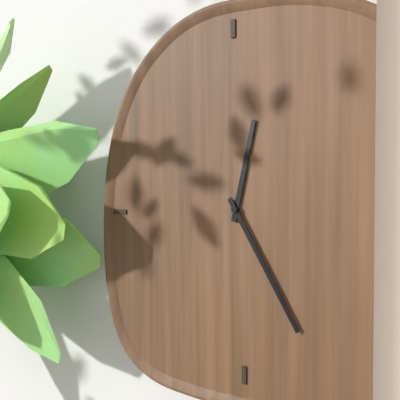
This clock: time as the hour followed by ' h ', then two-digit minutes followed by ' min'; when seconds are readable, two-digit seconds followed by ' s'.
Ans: 12 h 25 min
